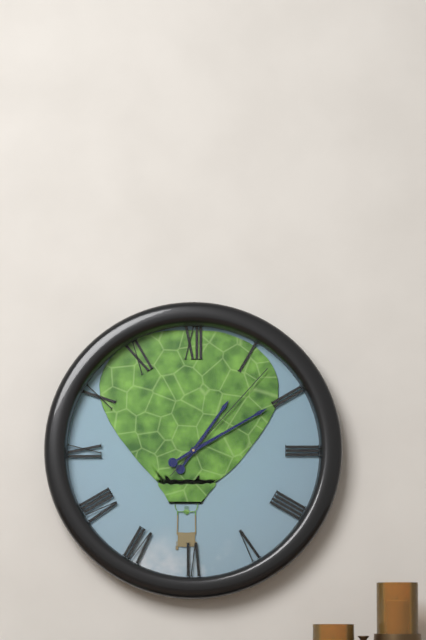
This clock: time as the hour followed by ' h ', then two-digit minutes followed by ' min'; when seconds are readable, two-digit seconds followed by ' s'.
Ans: 1 h 10 min 07 s
